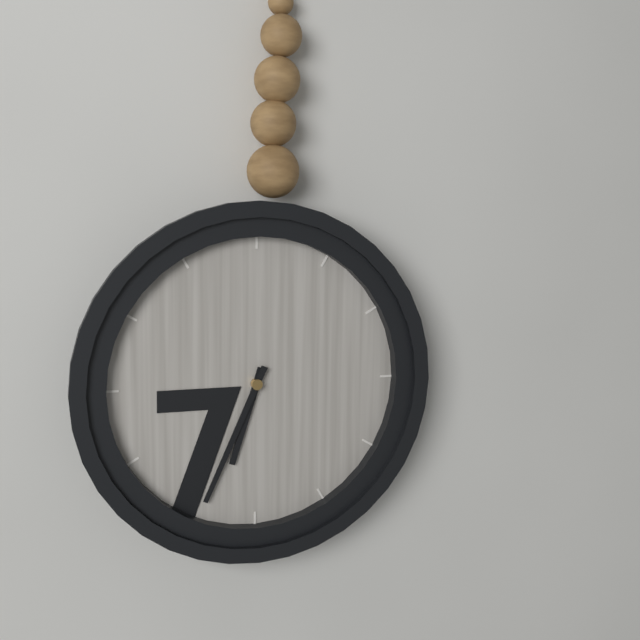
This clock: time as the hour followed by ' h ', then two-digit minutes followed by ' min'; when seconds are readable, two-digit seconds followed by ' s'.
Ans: 6 h 34 min
